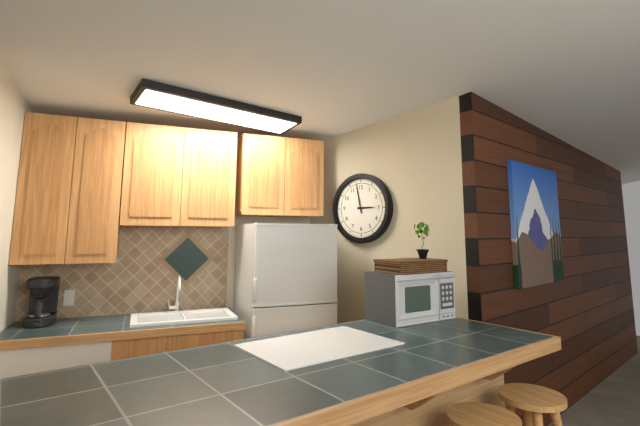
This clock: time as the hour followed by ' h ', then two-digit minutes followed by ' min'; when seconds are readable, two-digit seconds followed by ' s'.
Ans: 2 h 58 min
